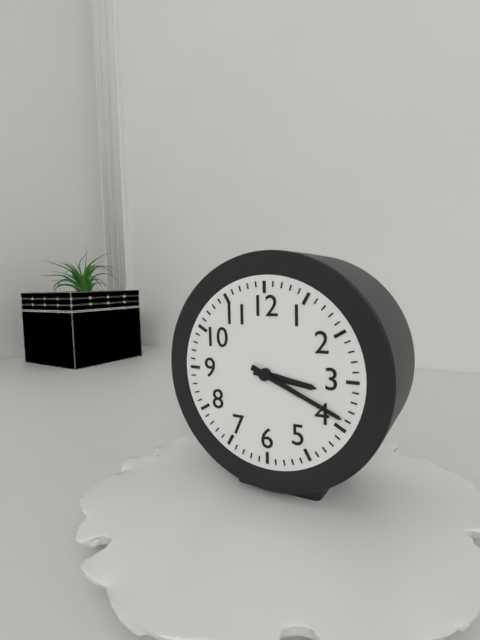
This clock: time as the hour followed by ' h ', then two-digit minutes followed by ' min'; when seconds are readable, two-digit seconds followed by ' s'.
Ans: 3 h 19 min
